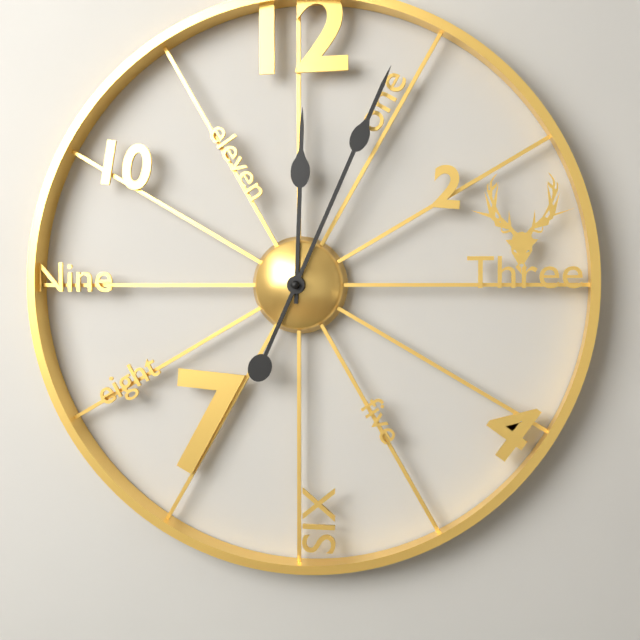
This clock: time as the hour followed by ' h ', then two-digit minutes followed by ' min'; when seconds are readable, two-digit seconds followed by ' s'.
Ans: 12 h 04 min
